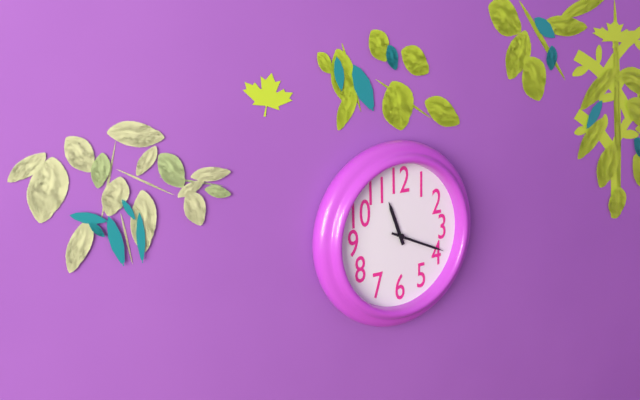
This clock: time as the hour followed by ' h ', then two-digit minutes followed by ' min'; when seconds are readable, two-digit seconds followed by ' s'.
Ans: 11 h 19 min
